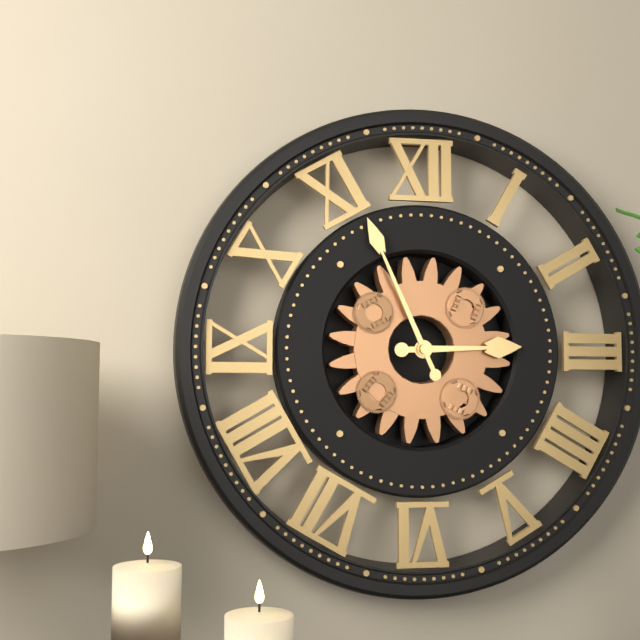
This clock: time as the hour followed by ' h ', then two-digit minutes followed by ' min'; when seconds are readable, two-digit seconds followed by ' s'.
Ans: 2 h 56 min
